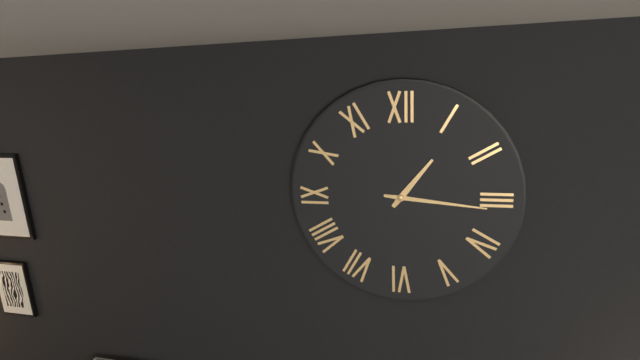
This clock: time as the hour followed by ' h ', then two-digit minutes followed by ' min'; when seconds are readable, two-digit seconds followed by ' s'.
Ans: 1 h 16 min
